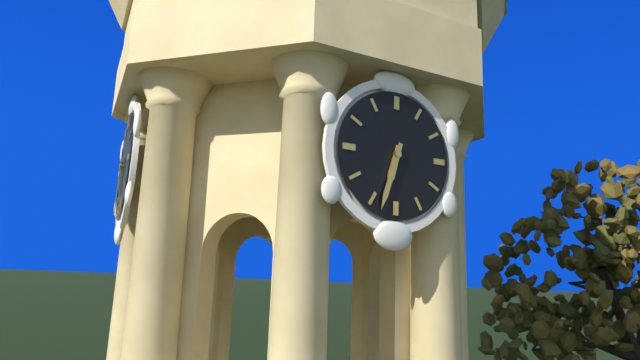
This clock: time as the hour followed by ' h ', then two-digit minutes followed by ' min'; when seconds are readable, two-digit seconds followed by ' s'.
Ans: 6 h 33 min
